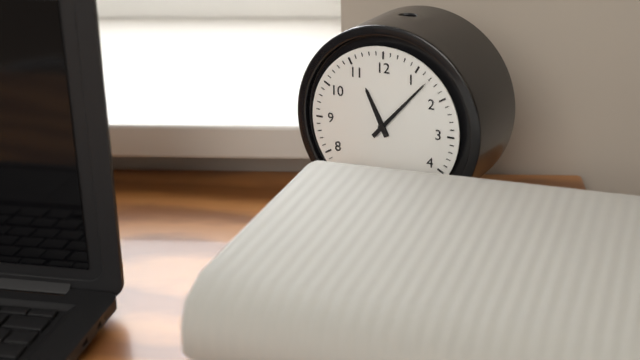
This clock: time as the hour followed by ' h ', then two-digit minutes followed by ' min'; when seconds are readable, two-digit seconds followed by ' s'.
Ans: 11 h 07 min
